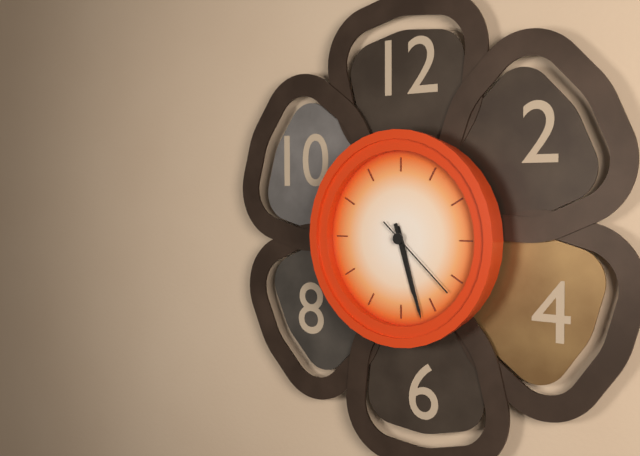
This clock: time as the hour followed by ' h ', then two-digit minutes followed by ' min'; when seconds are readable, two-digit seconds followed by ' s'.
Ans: 5 h 27 min 22 s
